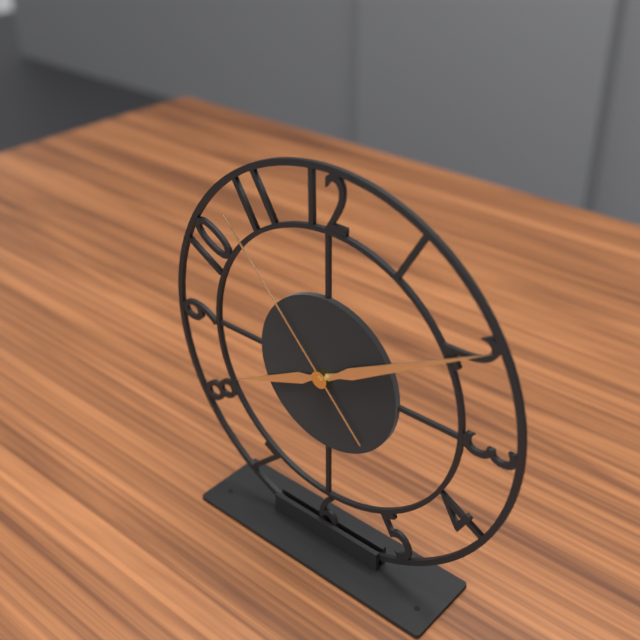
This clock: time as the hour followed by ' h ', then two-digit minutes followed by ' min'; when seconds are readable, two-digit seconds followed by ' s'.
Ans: 8 h 10 min 53 s
